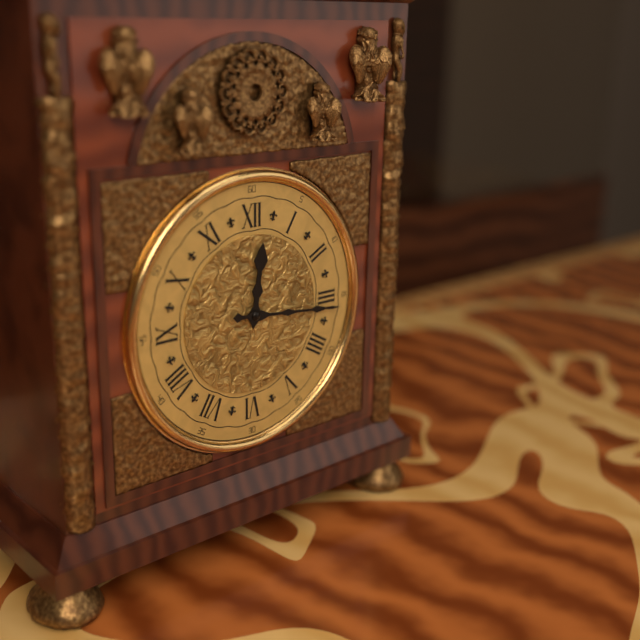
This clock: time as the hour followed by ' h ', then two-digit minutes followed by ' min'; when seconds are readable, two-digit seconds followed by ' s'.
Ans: 12 h 16 min
